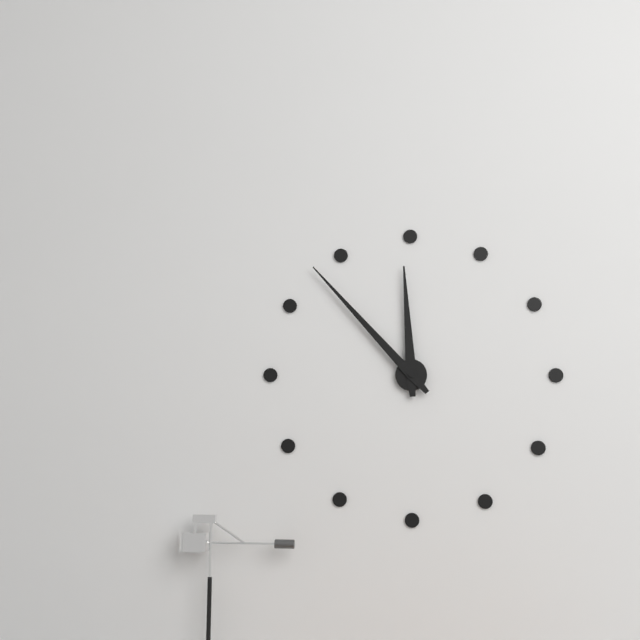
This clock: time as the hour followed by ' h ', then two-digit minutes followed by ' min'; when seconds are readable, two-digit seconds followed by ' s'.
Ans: 11 h 53 min
